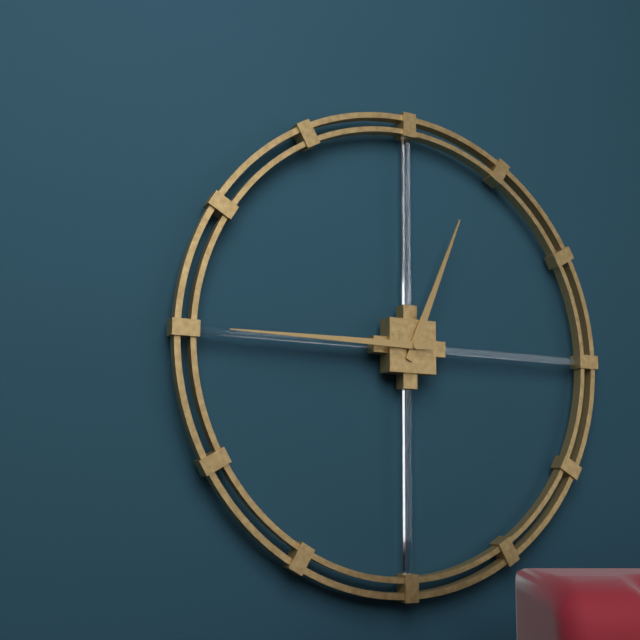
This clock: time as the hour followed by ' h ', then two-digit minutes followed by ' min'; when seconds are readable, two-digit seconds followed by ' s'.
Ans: 12 h 45 min
